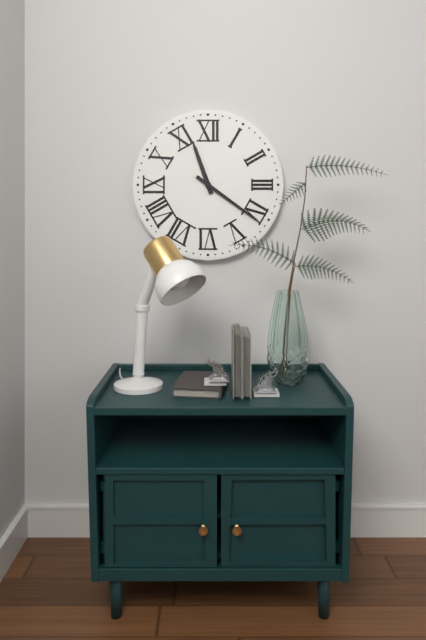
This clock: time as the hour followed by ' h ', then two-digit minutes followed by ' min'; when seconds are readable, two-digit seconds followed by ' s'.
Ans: 11 h 21 min
